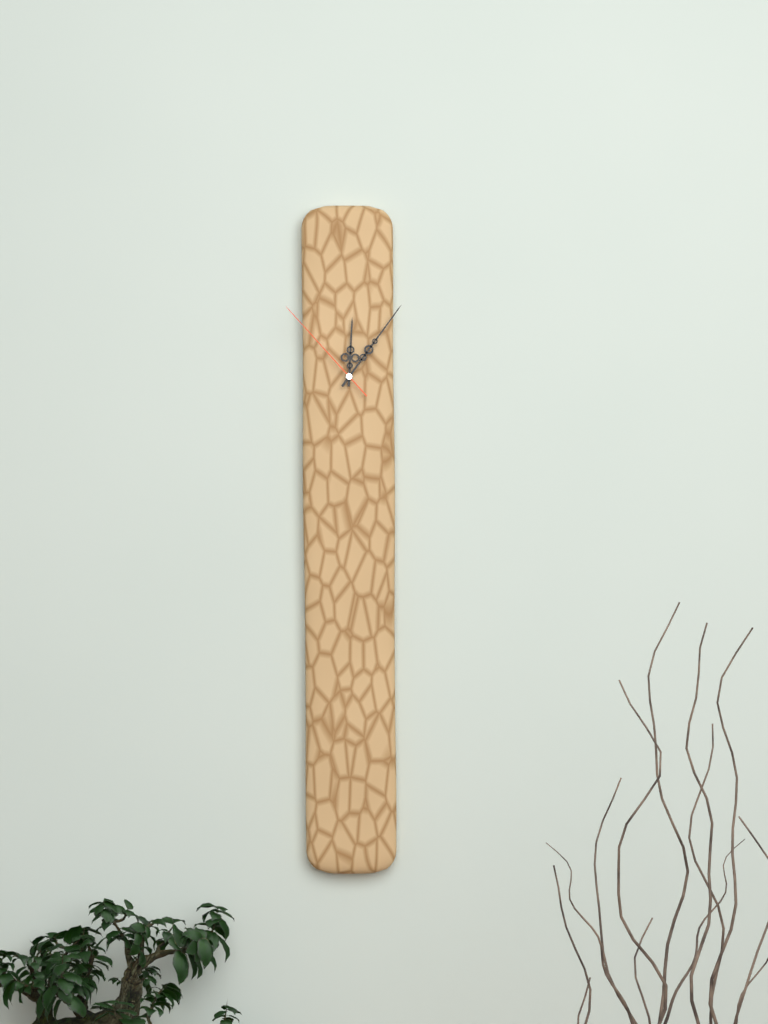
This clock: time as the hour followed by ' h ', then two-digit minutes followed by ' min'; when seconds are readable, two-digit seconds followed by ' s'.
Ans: 12 h 06 min 53 s
